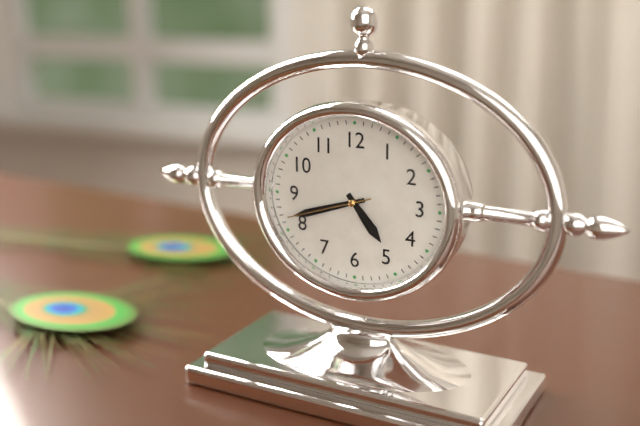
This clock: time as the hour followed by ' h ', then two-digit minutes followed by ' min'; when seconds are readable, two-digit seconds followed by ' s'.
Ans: 4 h 42 min 42 s
